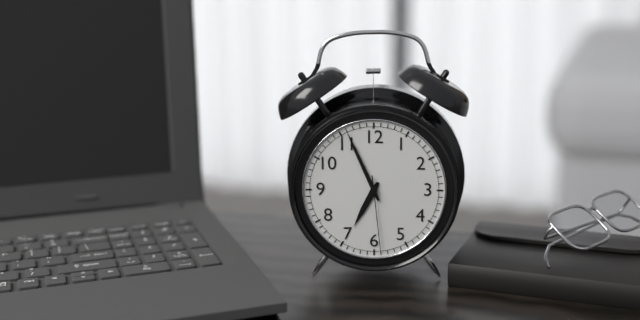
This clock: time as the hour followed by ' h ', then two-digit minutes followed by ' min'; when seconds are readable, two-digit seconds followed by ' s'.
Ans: 6 h 56 min 29 s
